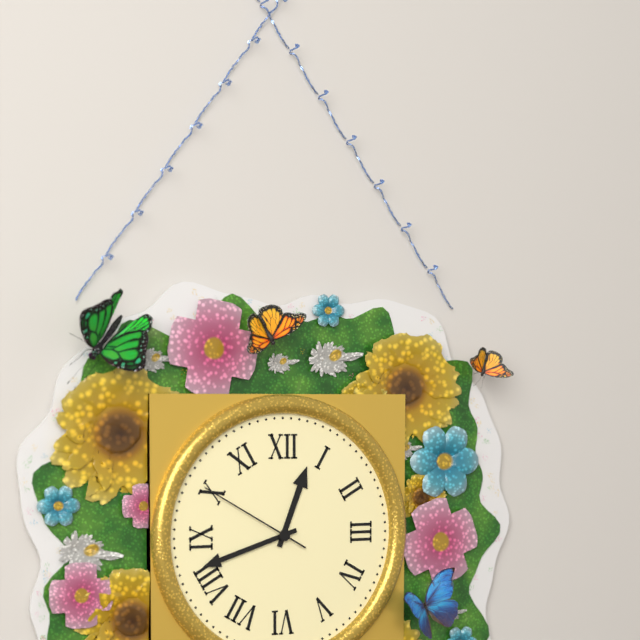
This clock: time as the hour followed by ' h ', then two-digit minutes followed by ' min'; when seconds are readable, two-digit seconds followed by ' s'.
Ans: 12 h 42 min 50 s
